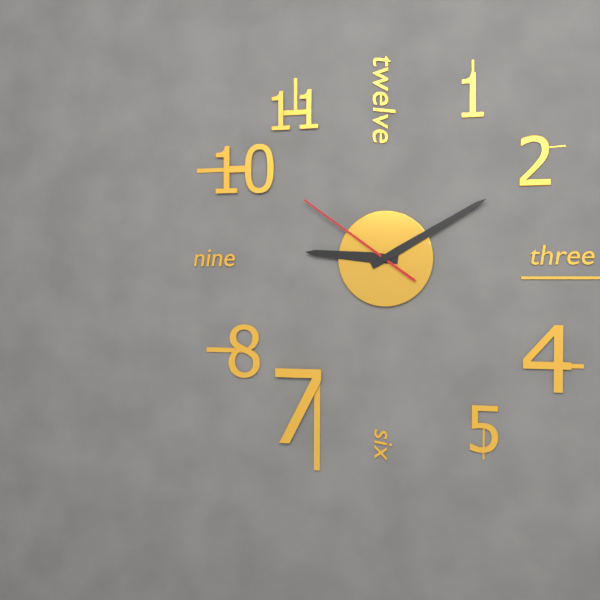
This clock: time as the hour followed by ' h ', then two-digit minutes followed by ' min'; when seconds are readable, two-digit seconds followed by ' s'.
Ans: 9 h 10 min 51 s
